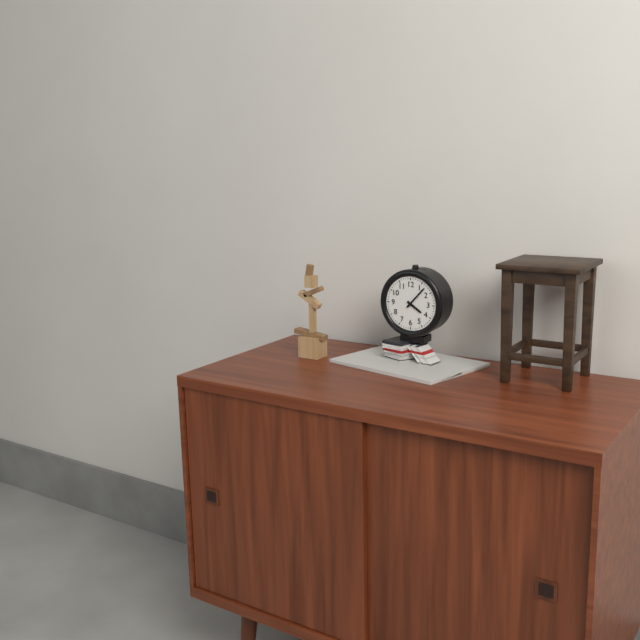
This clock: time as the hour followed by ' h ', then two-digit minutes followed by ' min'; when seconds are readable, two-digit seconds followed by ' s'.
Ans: 4 h 07 min
